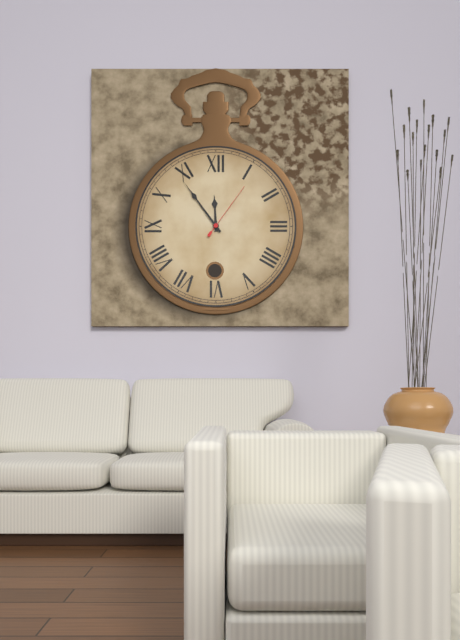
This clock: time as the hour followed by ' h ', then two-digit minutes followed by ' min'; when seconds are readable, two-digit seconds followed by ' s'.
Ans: 11 h 54 min 06 s
